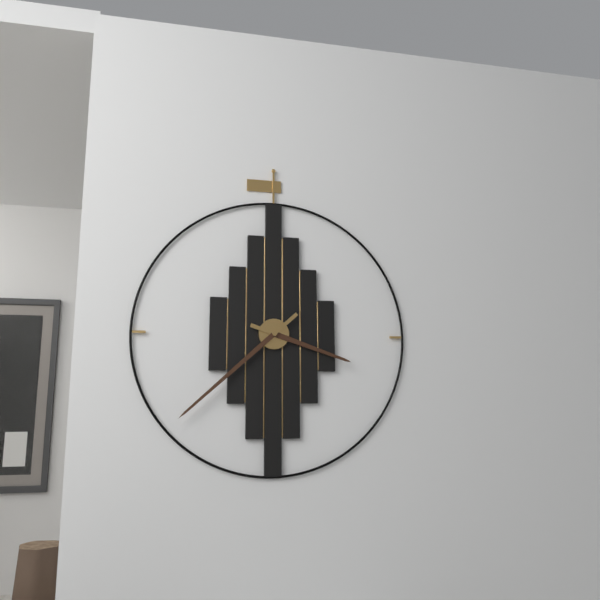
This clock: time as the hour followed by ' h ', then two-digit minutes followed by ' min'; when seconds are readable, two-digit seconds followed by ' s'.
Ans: 3 h 38 min
